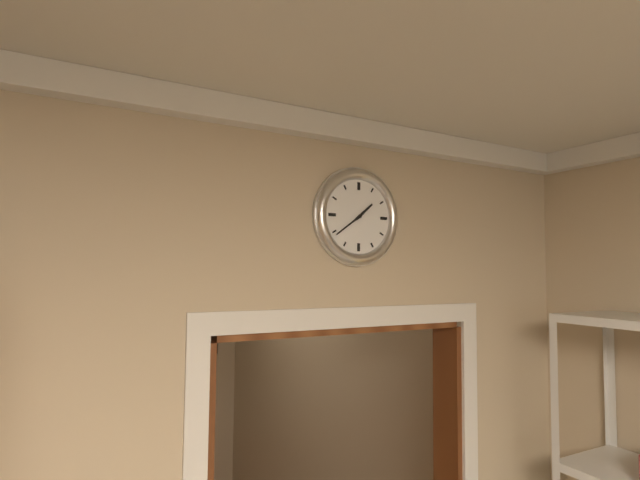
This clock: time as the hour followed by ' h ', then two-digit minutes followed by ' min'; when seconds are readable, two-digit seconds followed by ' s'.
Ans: 1 h 39 min
